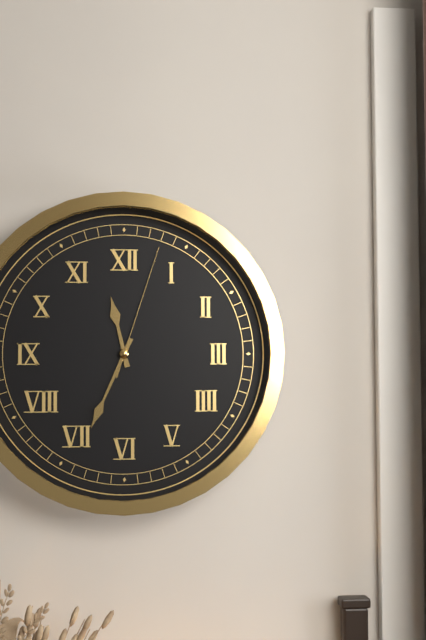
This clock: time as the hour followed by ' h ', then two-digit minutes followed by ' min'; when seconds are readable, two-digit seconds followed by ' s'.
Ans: 11 h 34 min 03 s
